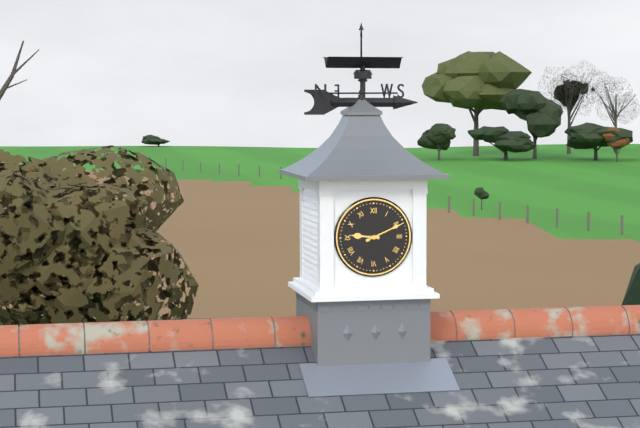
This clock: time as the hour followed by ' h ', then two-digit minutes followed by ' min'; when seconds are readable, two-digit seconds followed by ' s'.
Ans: 9 h 11 min
